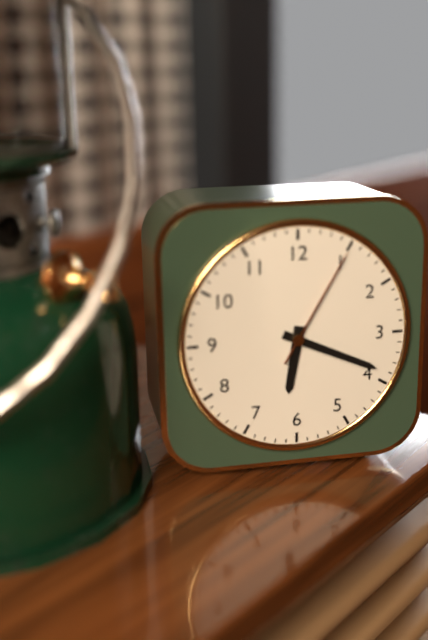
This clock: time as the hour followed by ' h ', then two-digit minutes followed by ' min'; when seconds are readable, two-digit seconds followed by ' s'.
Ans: 6 h 19 min 05 s
